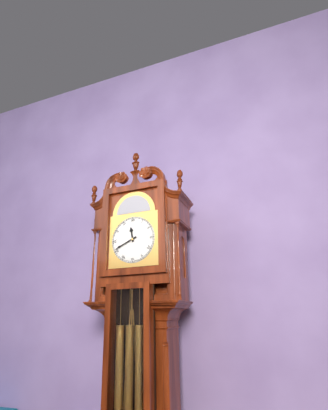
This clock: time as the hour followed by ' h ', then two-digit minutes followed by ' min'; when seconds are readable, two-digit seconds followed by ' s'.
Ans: 11 h 41 min
